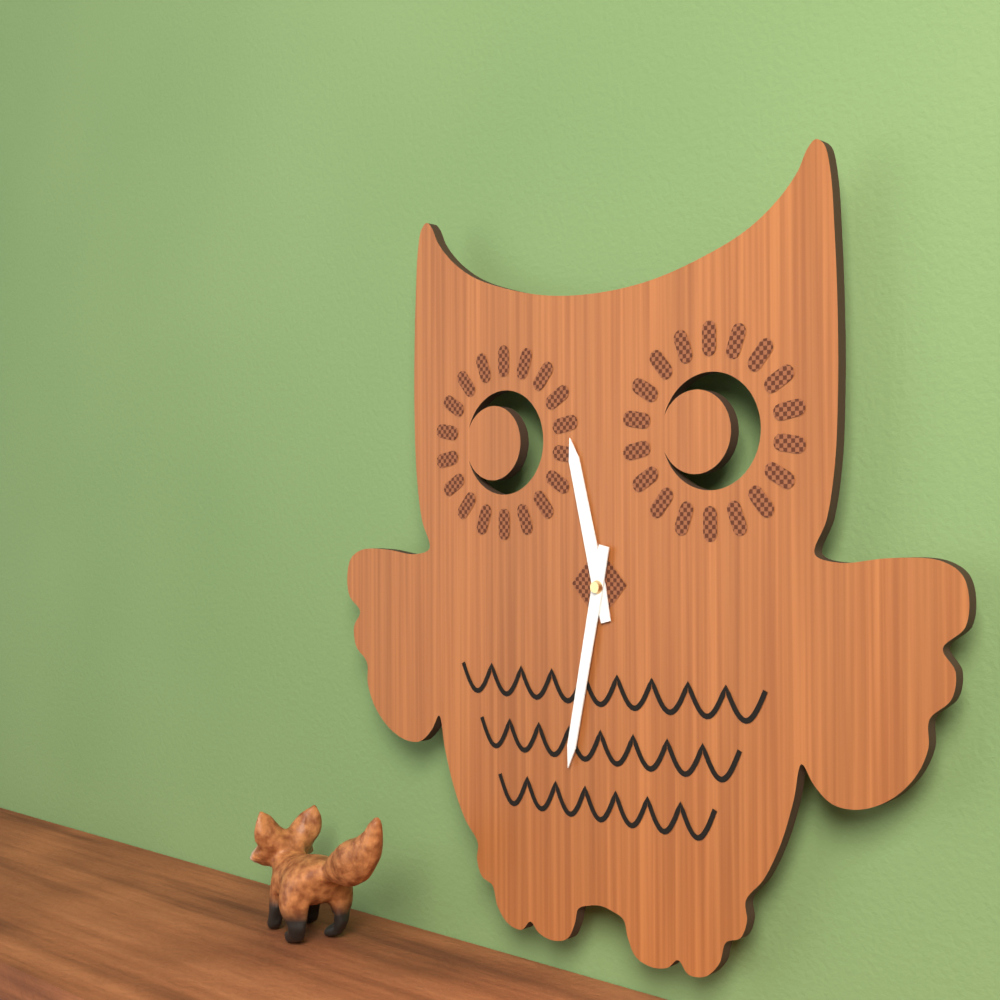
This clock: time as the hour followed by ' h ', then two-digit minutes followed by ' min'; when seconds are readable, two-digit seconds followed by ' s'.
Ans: 11 h 32 min
